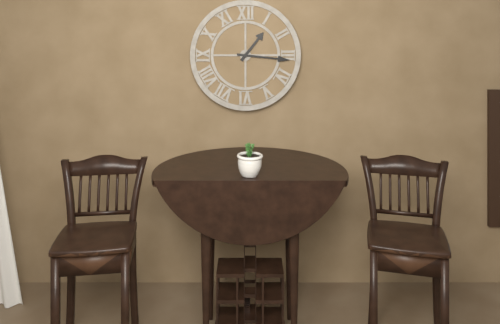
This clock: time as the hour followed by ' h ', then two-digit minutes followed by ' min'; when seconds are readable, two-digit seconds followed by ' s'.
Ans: 1 h 16 min
